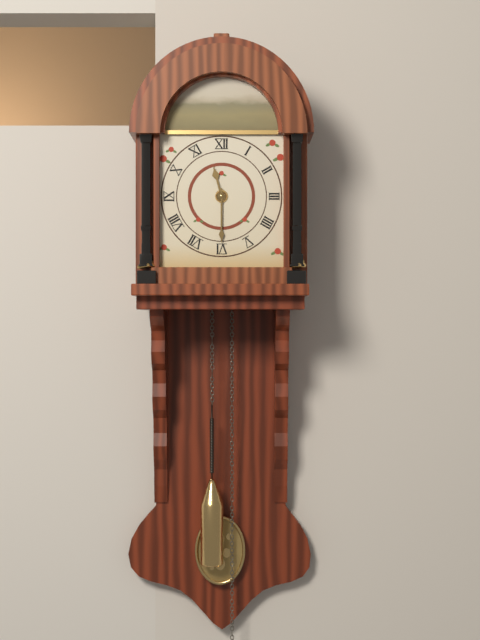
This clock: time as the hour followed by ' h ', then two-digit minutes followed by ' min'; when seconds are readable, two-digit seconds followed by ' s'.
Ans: 11 h 30 min
